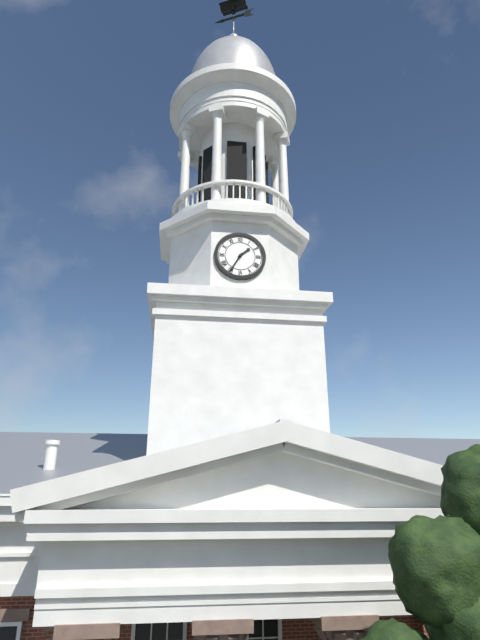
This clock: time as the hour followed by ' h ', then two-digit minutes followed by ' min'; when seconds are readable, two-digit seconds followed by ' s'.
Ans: 1 h 35 min
